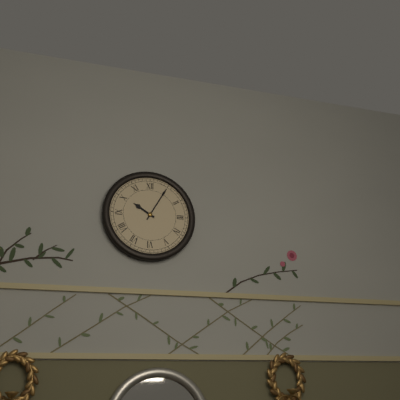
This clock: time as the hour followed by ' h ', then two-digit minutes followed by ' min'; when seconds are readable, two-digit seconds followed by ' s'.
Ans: 10 h 05 min
